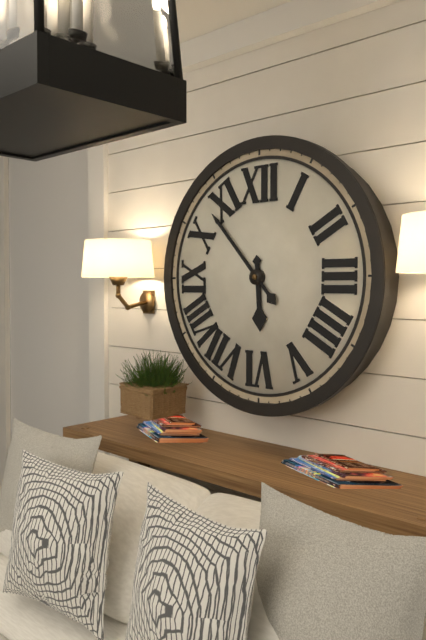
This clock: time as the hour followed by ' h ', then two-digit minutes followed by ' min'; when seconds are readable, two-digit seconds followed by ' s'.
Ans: 5 h 53 min
